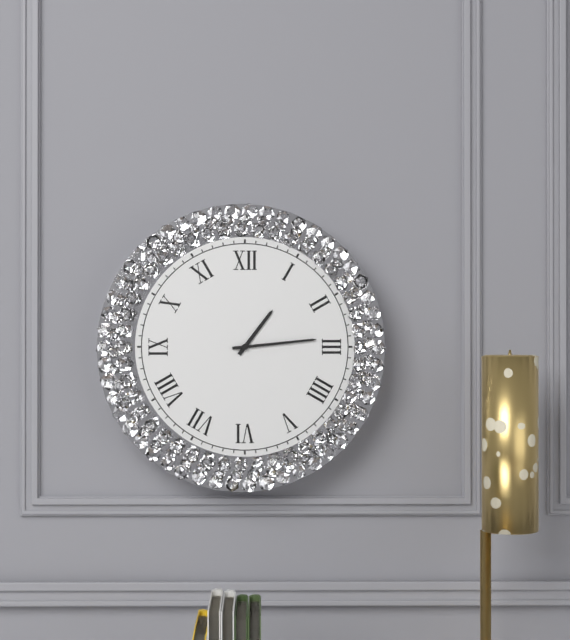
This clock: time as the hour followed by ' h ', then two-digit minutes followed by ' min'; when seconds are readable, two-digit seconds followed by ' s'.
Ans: 1 h 14 min
